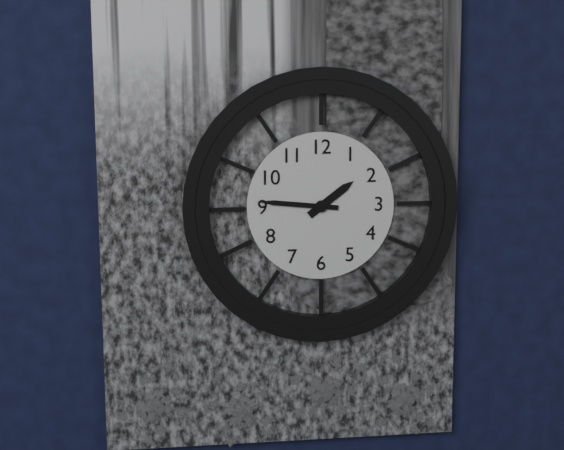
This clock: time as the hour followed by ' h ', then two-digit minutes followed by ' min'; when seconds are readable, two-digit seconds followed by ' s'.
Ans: 1 h 46 min
